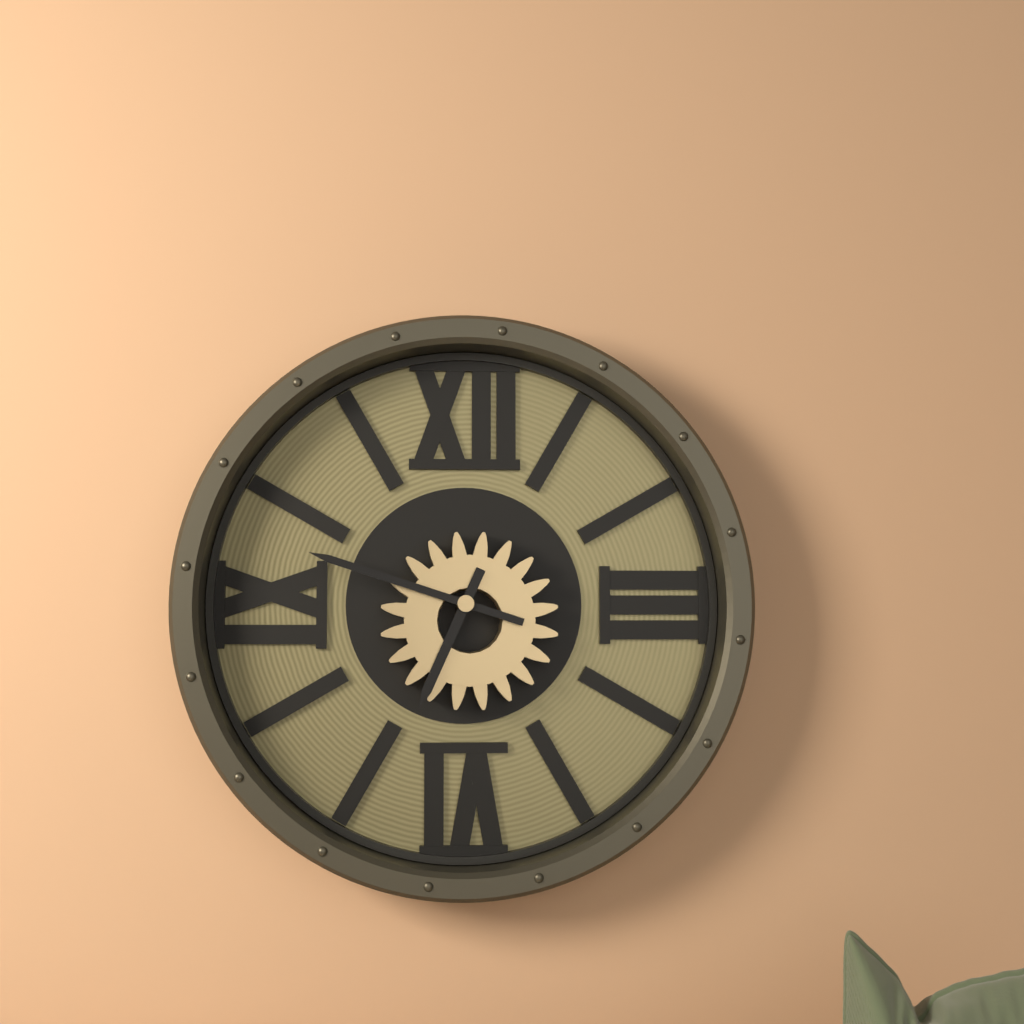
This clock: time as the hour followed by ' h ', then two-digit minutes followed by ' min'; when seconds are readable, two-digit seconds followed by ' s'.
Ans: 6 h 48 min
